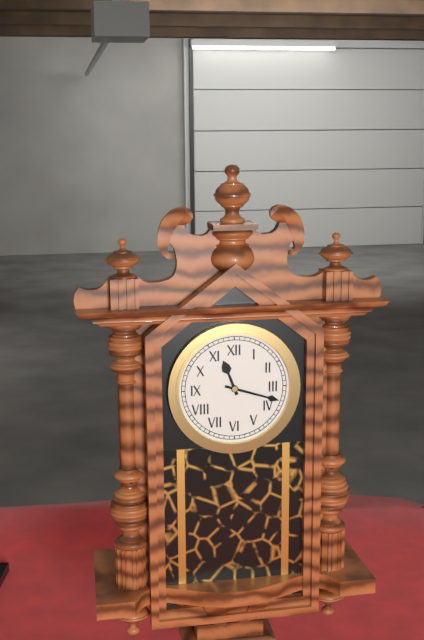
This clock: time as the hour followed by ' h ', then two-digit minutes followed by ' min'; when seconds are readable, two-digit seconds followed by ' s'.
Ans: 11 h 18 min
